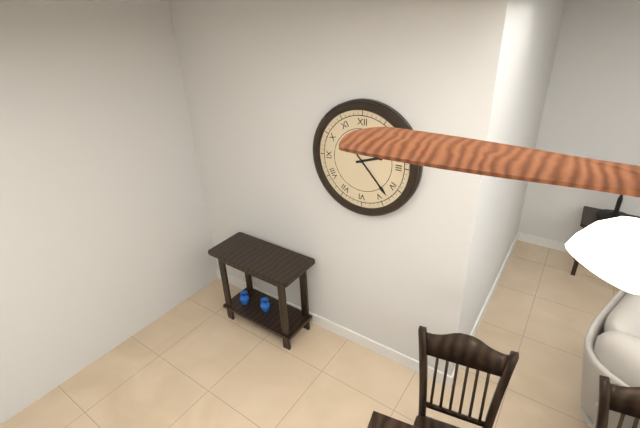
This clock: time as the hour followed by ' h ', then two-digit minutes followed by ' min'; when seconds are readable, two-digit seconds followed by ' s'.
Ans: 2 h 23 min
